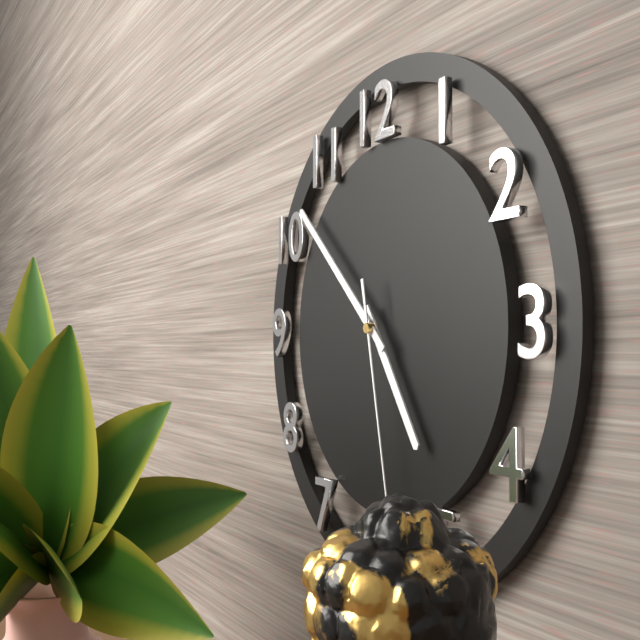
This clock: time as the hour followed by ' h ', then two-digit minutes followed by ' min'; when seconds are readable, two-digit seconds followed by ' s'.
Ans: 4 h 52 min 28 s
